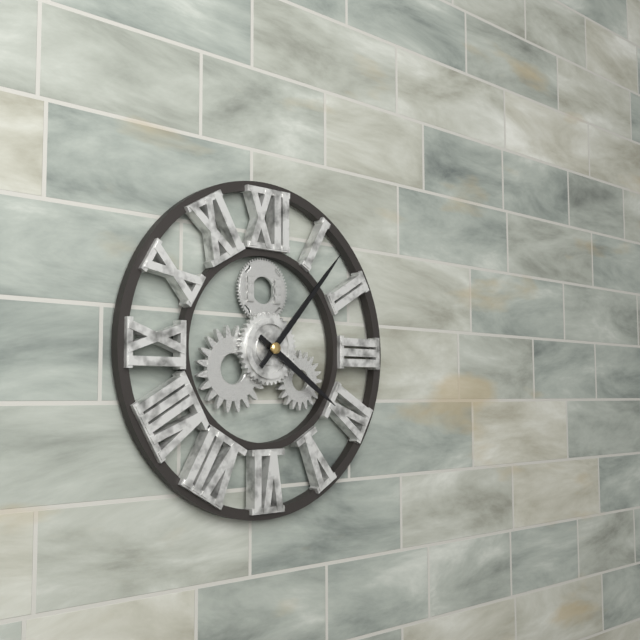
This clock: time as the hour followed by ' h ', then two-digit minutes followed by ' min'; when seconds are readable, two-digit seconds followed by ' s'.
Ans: 4 h 07 min
